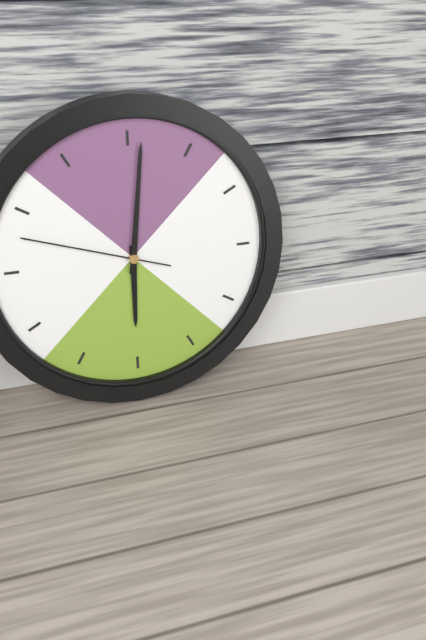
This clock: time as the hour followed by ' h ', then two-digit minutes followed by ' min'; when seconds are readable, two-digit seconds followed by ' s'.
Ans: 6 h 01 min 48 s
